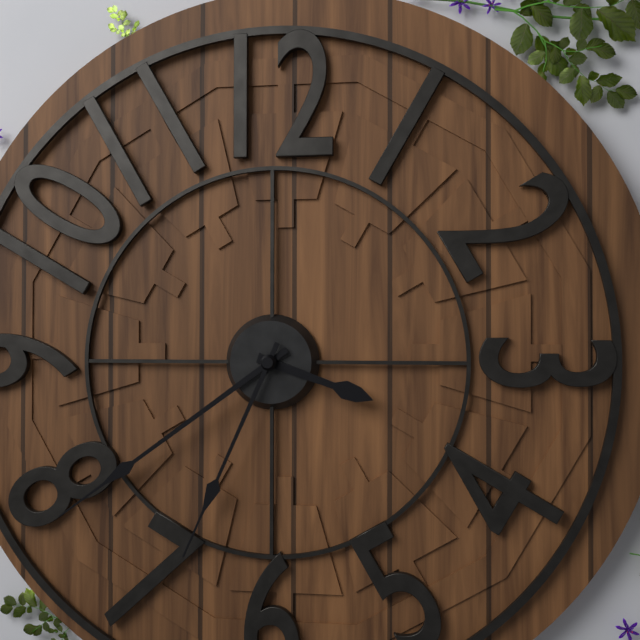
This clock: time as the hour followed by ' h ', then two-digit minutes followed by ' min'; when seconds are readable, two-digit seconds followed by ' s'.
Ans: 3 h 39 min 34 s
